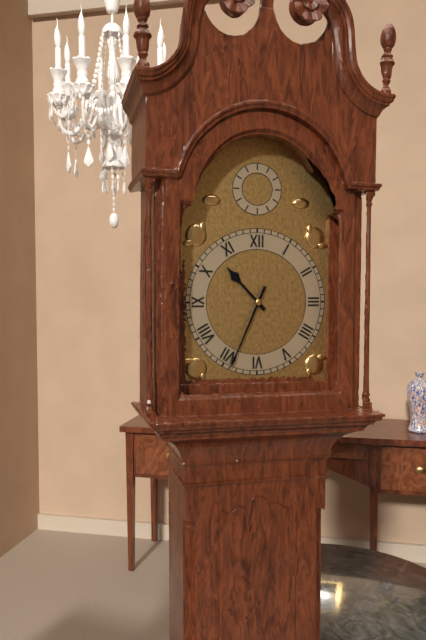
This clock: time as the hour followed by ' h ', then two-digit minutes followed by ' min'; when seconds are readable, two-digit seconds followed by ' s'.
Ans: 10 h 34 min
